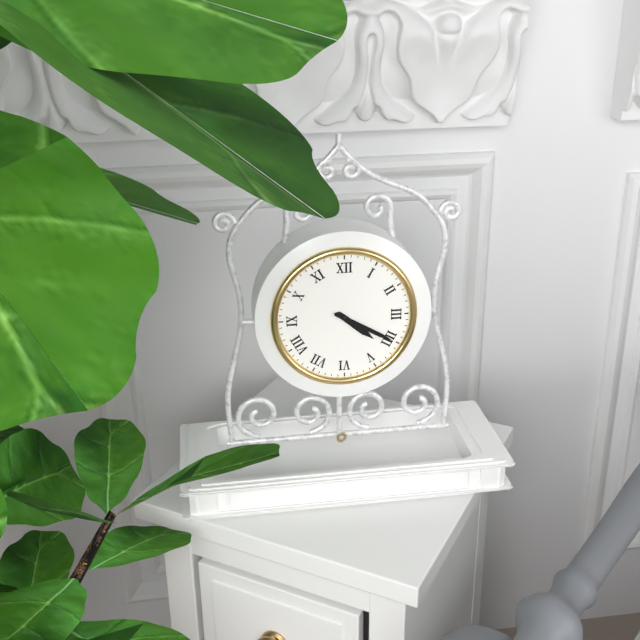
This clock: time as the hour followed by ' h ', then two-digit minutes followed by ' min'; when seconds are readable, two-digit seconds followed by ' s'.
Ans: 4 h 20 min
